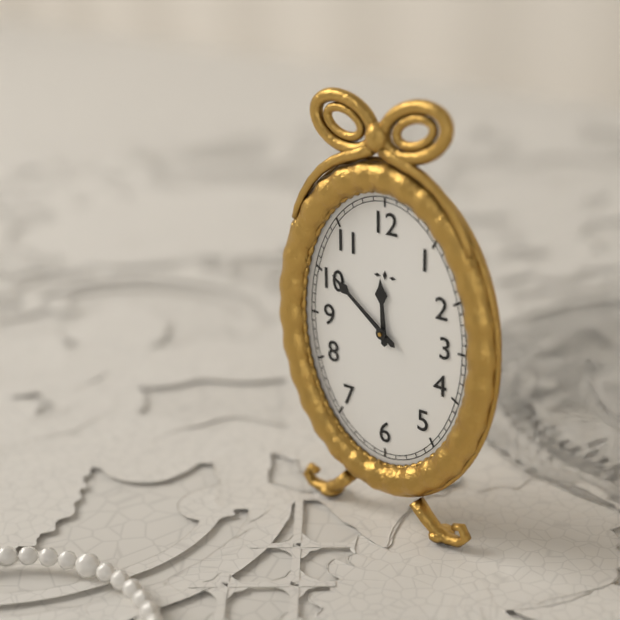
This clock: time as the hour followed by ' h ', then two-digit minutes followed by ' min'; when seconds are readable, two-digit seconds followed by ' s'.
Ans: 11 h 51 min
